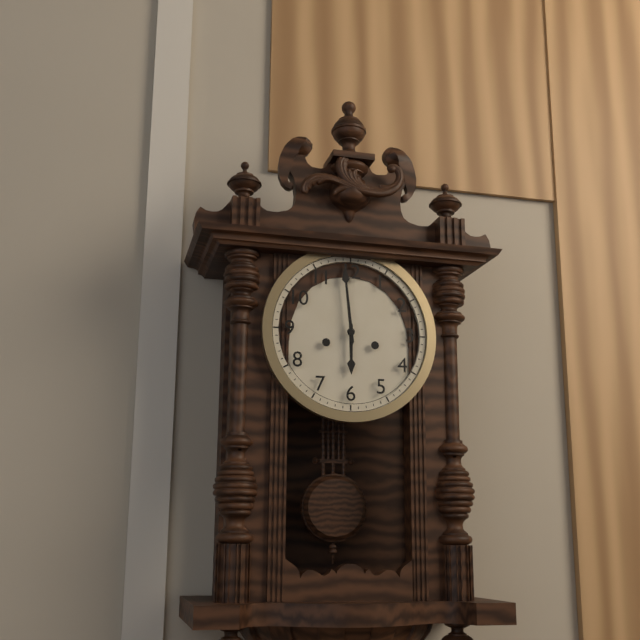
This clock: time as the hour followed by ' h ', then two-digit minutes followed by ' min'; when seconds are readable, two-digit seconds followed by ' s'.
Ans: 5 h 59 min
